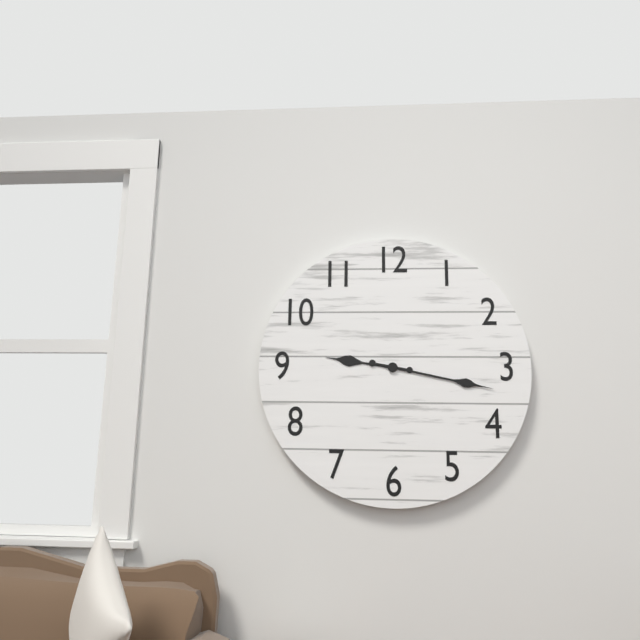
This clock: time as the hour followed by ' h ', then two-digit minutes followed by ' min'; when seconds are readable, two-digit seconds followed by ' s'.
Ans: 9 h 17 min
